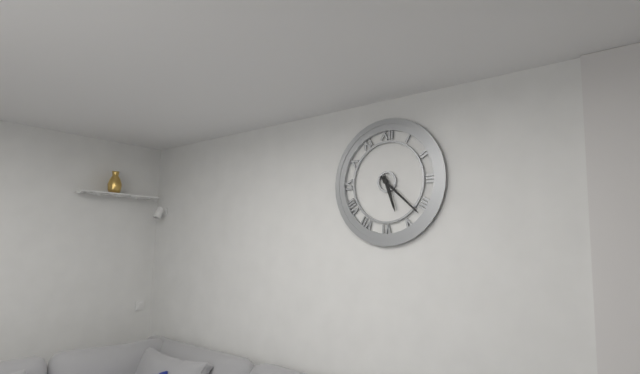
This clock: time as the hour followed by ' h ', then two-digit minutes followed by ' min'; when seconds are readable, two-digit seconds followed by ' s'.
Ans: 5 h 22 min
